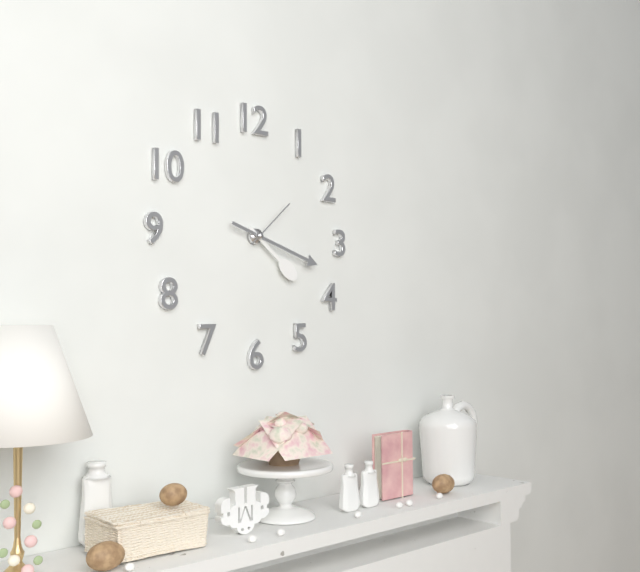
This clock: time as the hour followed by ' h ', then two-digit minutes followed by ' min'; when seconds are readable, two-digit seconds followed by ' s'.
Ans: 4 h 18 min 08 s
